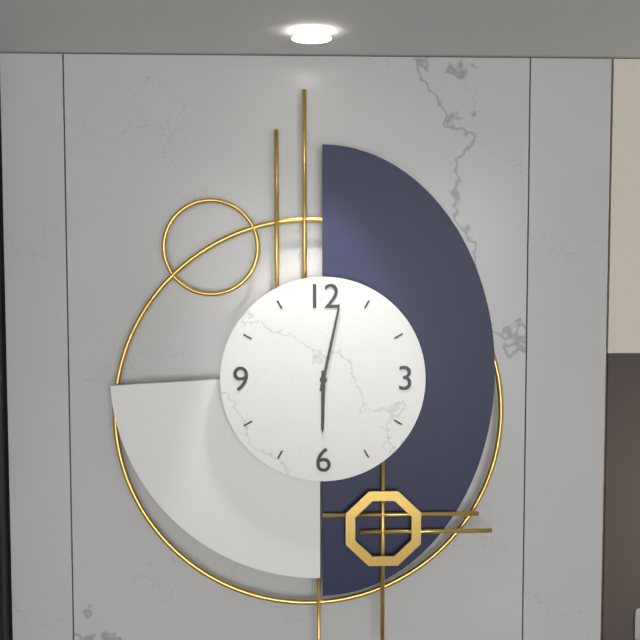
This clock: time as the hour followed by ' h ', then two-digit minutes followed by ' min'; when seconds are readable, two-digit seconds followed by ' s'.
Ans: 6 h 02 min
